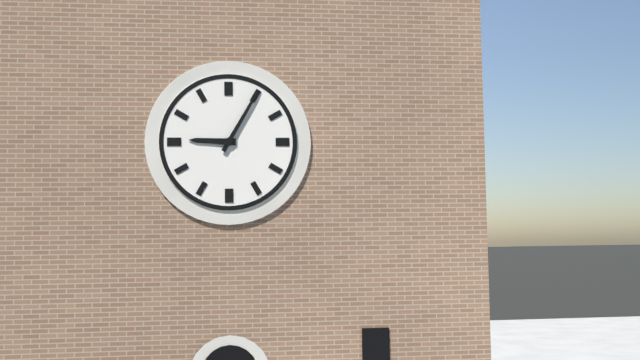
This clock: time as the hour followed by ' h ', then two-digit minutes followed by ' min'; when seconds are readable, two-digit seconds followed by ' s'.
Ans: 9 h 05 min
